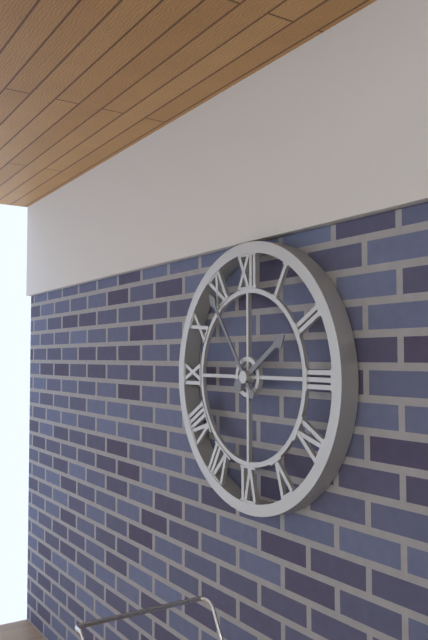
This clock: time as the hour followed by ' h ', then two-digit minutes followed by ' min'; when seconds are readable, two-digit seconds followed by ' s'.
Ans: 1 h 54 min
